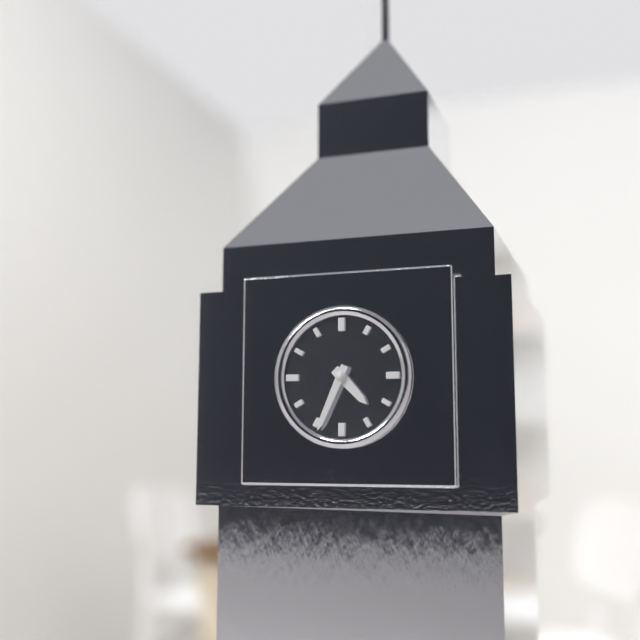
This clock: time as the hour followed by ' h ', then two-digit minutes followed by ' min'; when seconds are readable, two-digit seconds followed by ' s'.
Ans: 4 h 34 min
